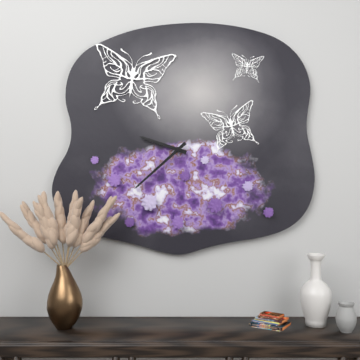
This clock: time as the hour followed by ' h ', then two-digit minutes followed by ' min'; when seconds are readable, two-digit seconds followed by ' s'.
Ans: 9 h 38 min
